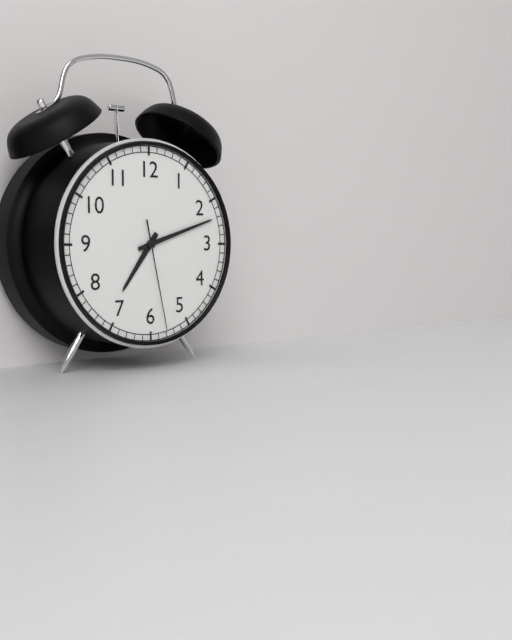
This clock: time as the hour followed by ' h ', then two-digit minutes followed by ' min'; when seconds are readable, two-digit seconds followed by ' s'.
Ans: 7 h 12 min 28 s
